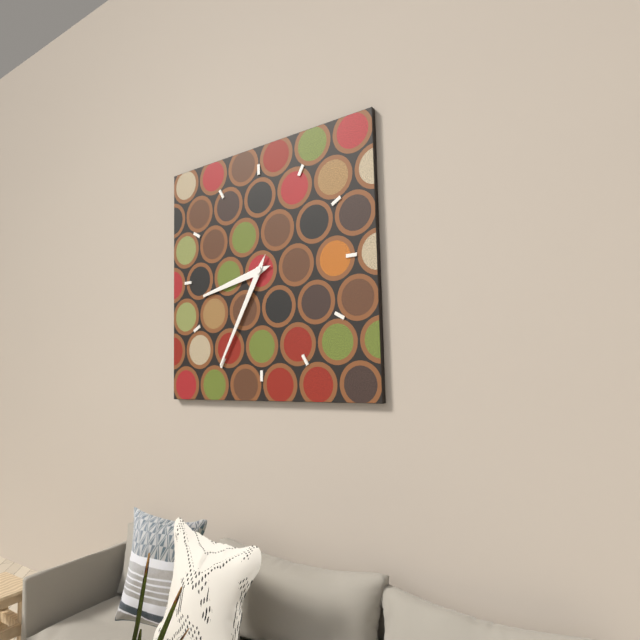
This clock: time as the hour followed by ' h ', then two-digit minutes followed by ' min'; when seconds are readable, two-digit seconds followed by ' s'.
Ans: 8 h 35 min
